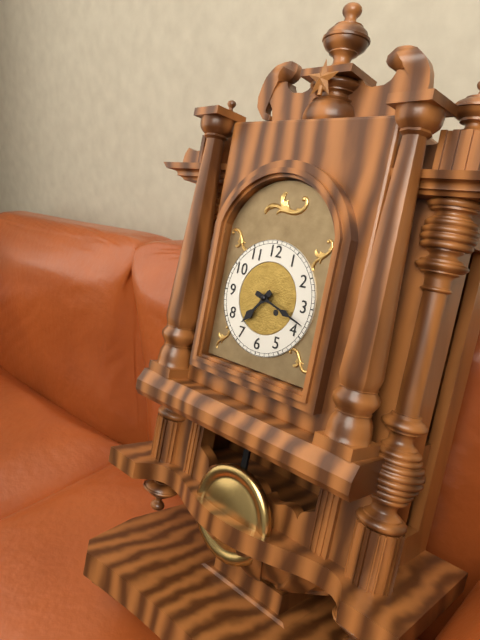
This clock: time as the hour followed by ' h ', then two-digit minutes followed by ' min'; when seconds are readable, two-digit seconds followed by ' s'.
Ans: 7 h 18 min
